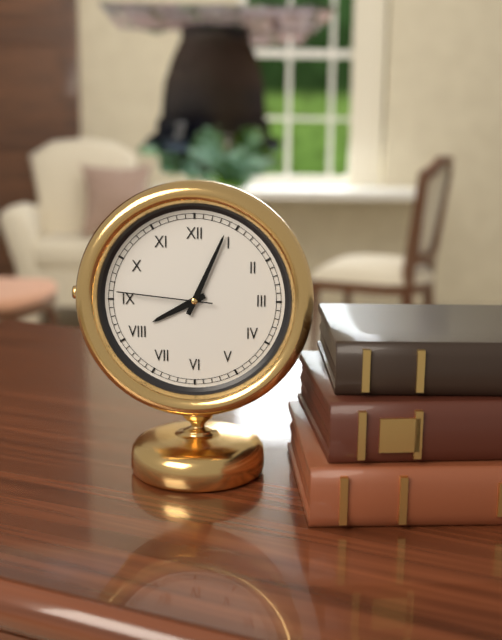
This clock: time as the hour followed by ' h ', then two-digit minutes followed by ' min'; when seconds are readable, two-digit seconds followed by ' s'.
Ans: 8 h 04 min 46 s
